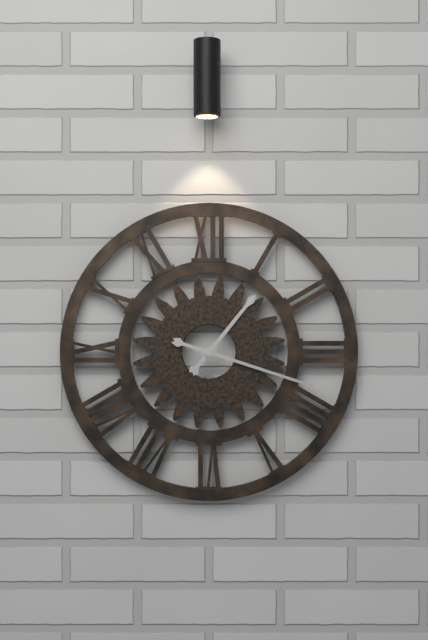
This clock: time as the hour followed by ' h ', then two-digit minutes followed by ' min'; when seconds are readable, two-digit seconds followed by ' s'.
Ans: 1 h 18 min
